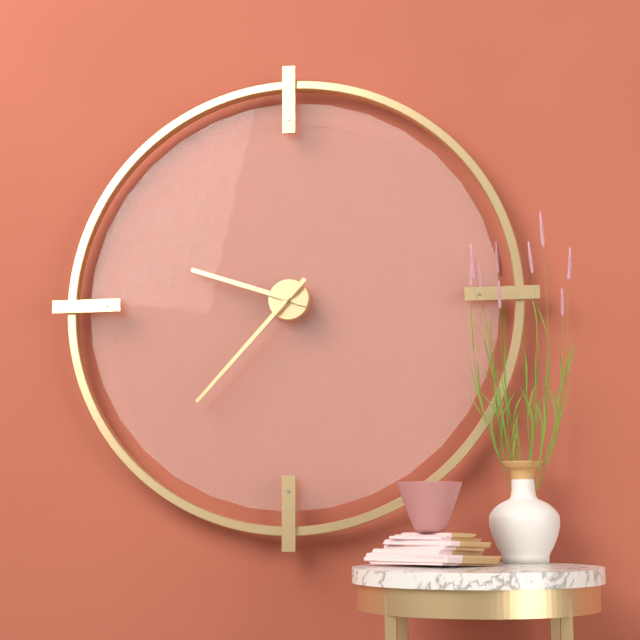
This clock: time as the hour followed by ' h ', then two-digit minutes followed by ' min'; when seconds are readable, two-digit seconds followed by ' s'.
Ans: 9 h 37 min
